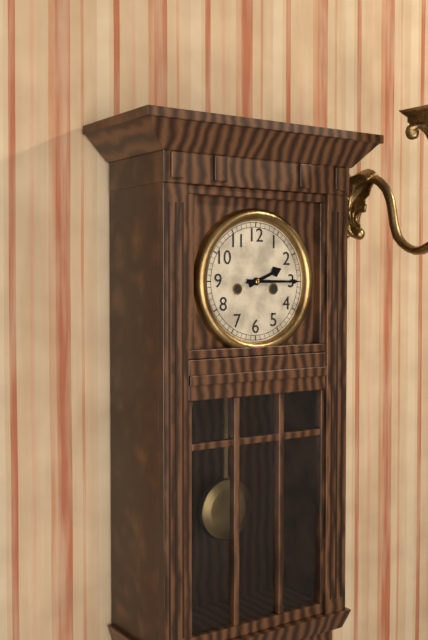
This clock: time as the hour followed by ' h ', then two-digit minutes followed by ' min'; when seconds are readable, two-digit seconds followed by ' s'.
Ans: 2 h 15 min
